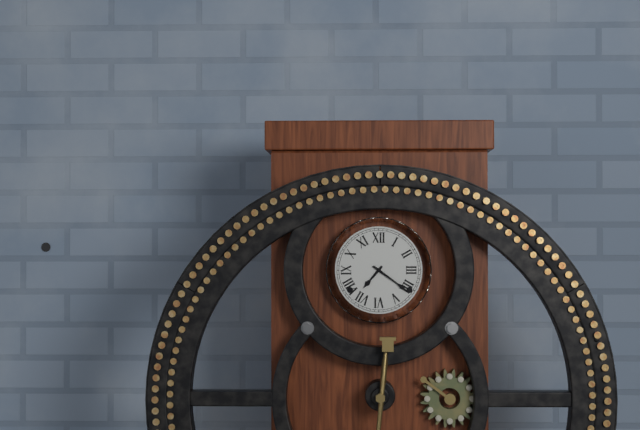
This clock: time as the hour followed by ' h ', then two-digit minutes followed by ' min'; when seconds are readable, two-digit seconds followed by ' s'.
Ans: 7 h 21 min
